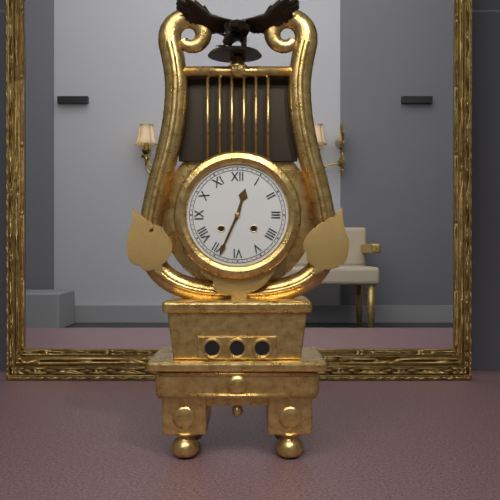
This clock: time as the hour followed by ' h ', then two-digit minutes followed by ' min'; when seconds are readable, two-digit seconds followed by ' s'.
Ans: 12 h 34 min
